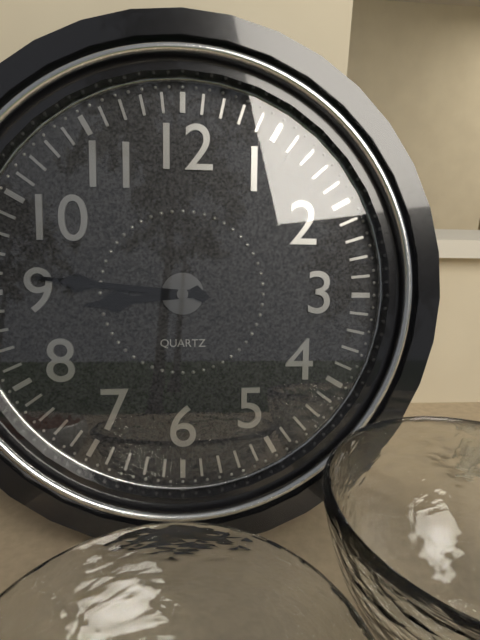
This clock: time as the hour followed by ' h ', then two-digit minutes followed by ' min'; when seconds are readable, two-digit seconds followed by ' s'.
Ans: 8 h 46 min
